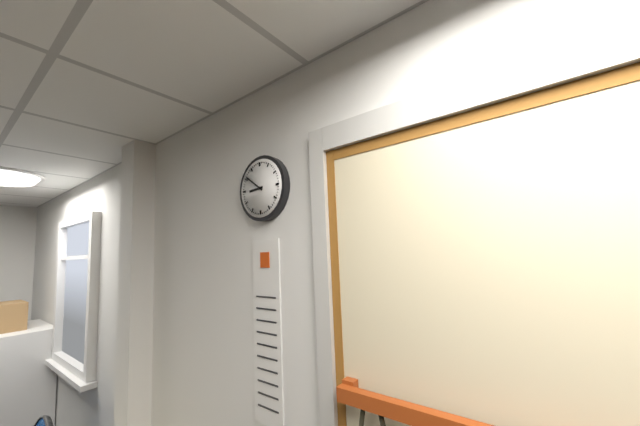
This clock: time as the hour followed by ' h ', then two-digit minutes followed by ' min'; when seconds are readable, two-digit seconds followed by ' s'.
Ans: 8 h 51 min
